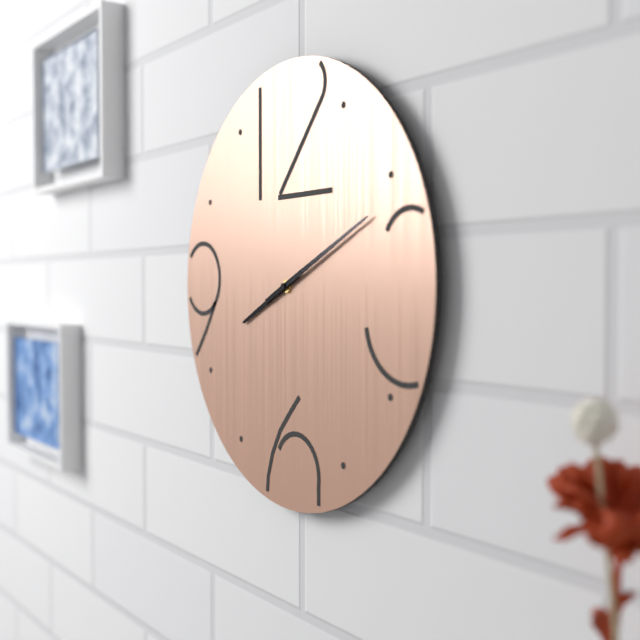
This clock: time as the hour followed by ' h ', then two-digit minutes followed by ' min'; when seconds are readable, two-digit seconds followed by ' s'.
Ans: 8 h 11 min
